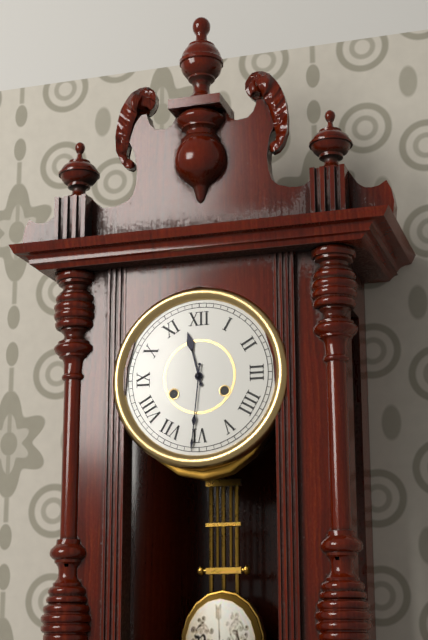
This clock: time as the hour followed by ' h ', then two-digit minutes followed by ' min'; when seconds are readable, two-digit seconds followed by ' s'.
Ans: 11 h 31 min
